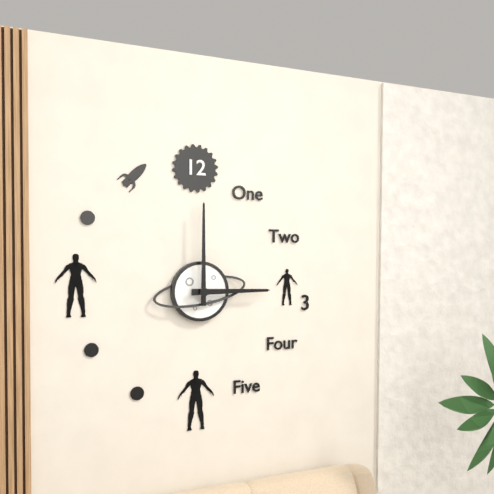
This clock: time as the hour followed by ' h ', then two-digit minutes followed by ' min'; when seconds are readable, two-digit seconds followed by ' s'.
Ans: 3 h 00 min
